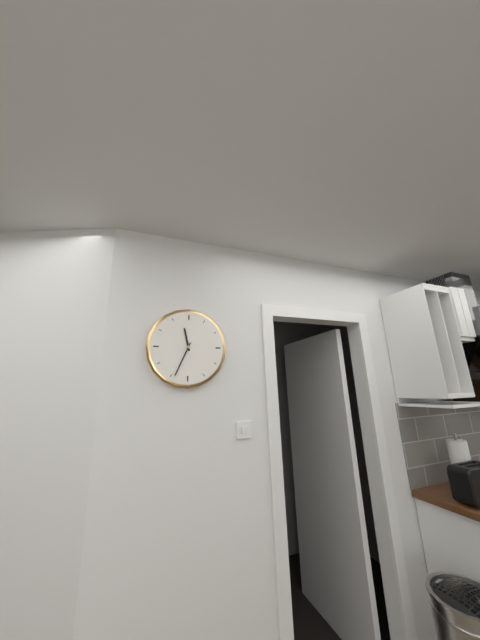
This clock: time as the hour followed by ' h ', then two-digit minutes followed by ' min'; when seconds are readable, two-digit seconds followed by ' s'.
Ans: 11 h 34 min
